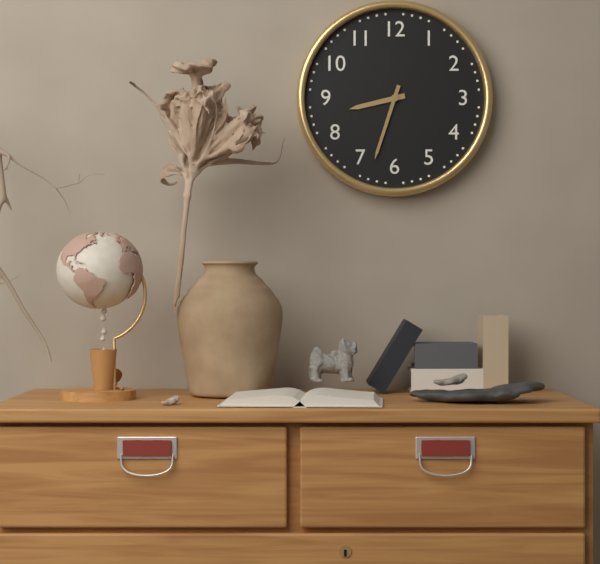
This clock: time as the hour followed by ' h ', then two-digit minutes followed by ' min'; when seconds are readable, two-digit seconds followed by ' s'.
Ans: 8 h 33 min
